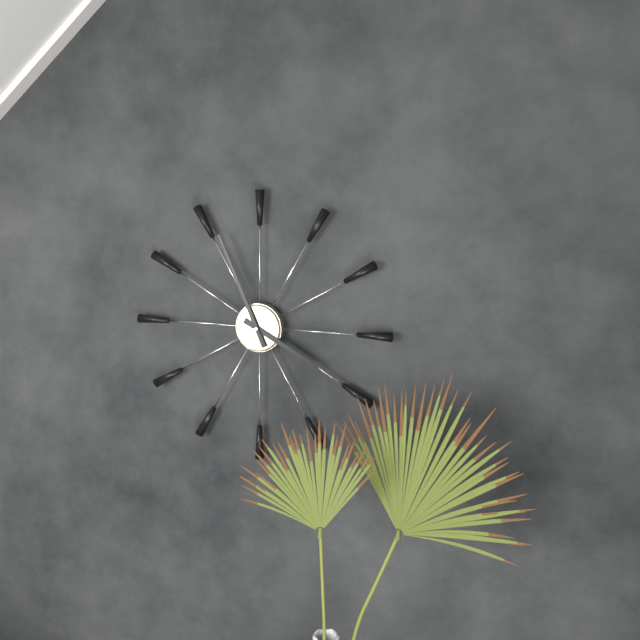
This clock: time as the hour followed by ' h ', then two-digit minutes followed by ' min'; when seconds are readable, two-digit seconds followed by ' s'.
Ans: 3 h 56 min
